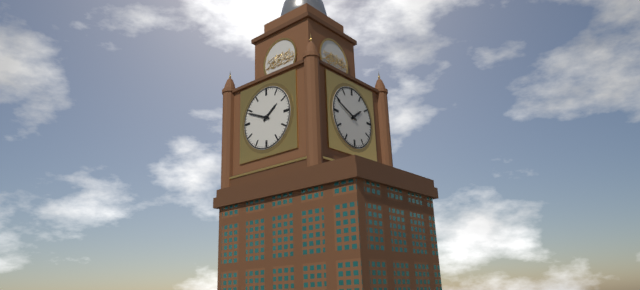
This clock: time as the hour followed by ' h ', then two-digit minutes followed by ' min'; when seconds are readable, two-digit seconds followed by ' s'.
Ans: 1 h 49 min
